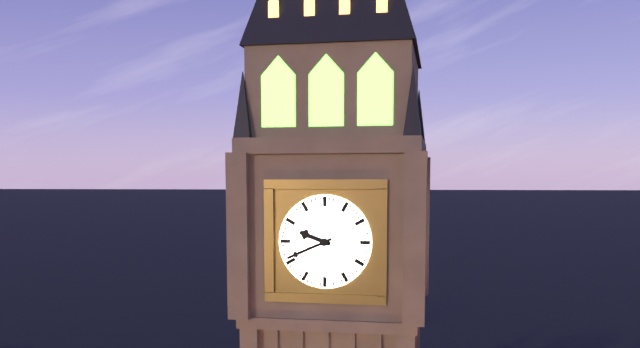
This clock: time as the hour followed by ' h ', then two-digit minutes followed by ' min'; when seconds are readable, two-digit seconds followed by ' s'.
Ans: 9 h 41 min
